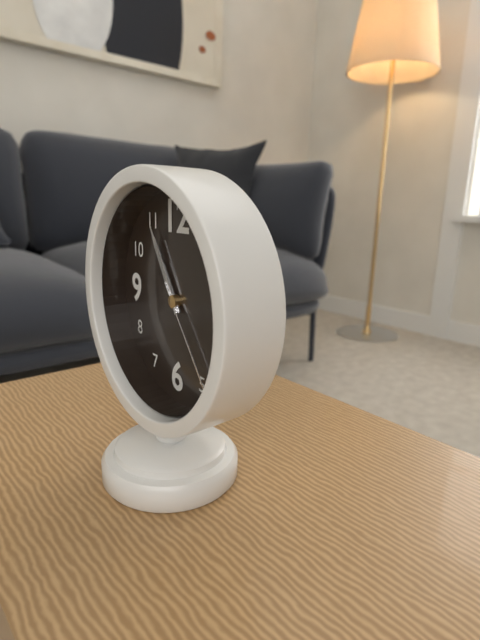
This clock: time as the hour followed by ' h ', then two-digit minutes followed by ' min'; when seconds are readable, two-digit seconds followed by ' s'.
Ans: 10 h 55 min 24 s
